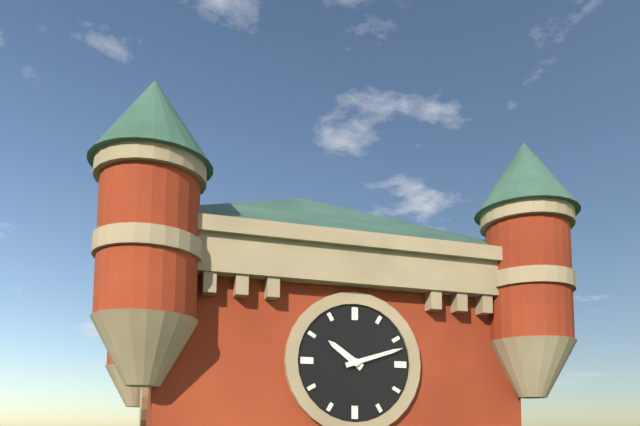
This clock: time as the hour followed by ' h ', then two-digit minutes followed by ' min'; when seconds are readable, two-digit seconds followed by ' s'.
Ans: 10 h 12 min
